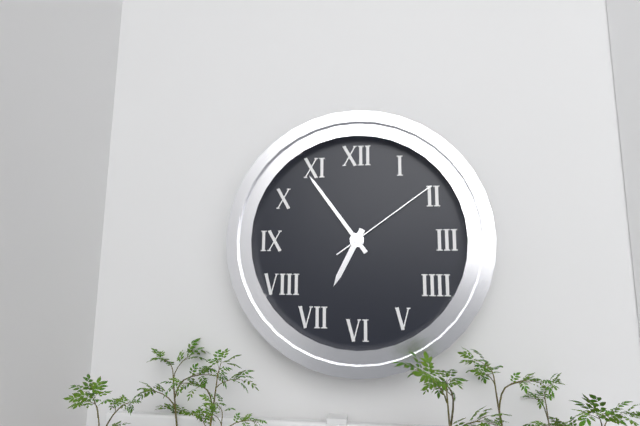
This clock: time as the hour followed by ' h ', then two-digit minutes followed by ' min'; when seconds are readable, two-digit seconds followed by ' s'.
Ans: 6 h 54 min 09 s
